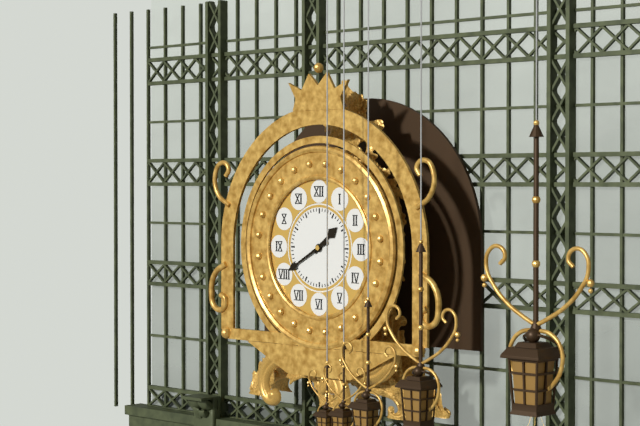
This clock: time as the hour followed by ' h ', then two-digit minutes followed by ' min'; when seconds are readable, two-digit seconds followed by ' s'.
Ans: 1 h 40 min
